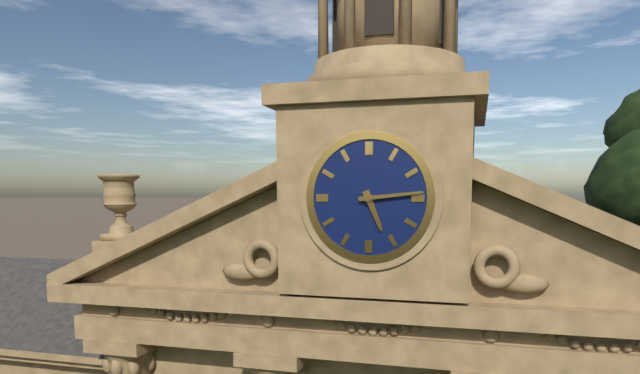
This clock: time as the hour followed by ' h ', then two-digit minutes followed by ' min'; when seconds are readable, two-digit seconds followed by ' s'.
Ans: 5 h 14 min
